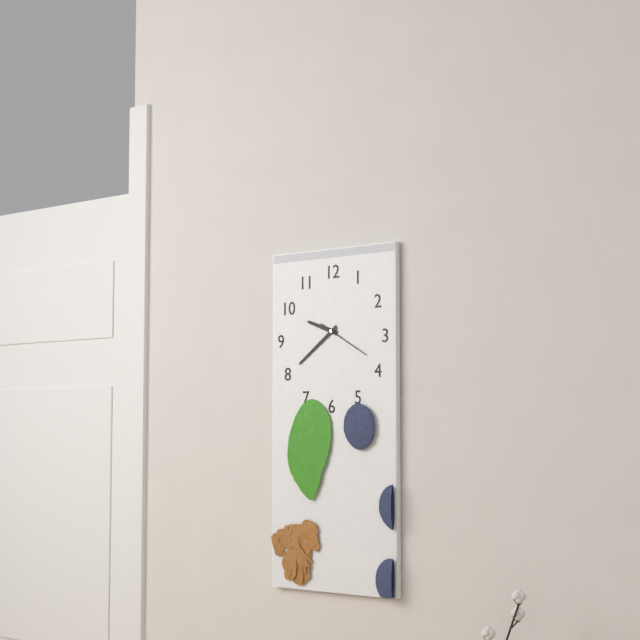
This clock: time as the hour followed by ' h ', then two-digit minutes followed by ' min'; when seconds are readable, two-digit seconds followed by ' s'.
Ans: 9 h 39 min 20 s
